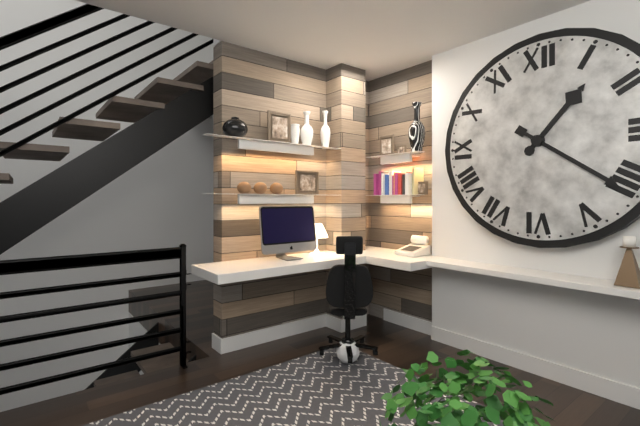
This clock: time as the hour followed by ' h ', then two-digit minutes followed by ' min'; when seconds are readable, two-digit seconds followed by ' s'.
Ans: 1 h 21 min
